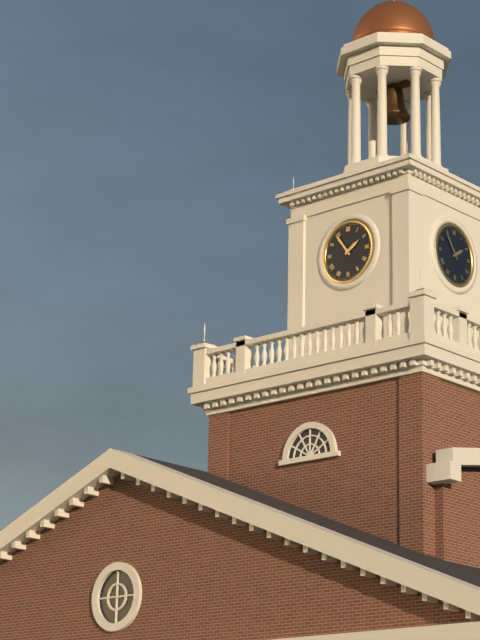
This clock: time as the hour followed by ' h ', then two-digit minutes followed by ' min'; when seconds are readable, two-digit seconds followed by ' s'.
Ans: 1 h 54 min
